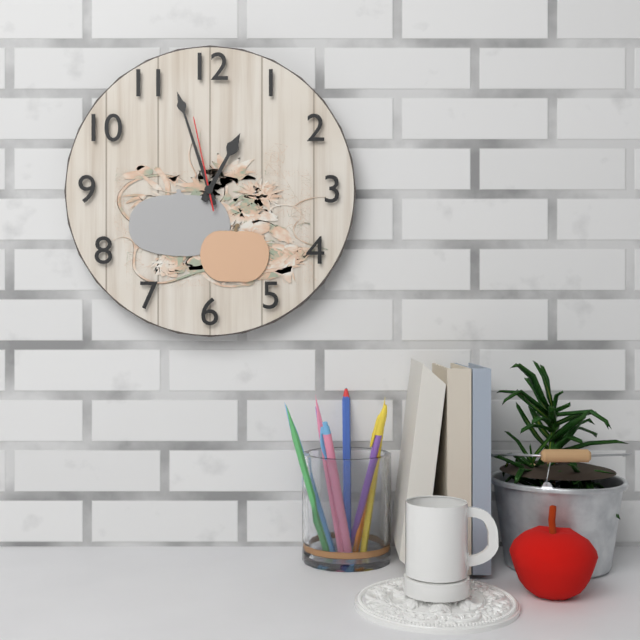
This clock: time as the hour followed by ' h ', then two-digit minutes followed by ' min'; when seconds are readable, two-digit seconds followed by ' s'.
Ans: 12 h 57 min 58 s
